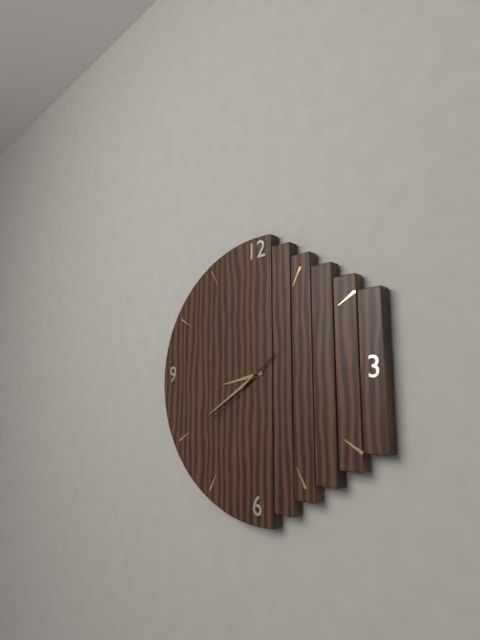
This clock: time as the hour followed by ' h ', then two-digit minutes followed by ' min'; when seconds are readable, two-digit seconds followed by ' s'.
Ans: 8 h 40 min 39 s
